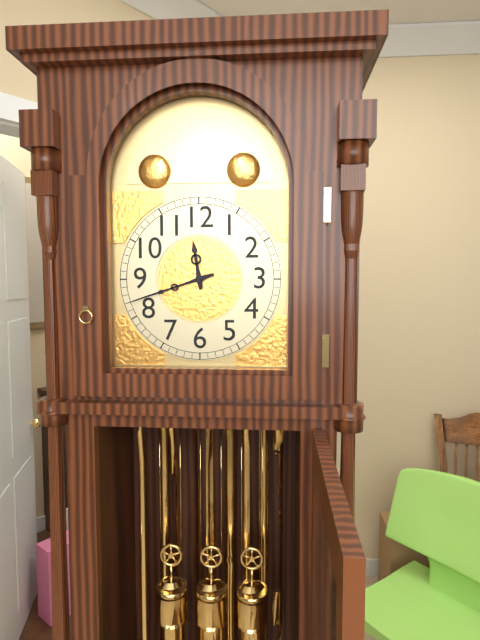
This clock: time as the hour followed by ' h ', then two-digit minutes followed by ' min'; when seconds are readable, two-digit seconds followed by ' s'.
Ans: 11 h 42 min
